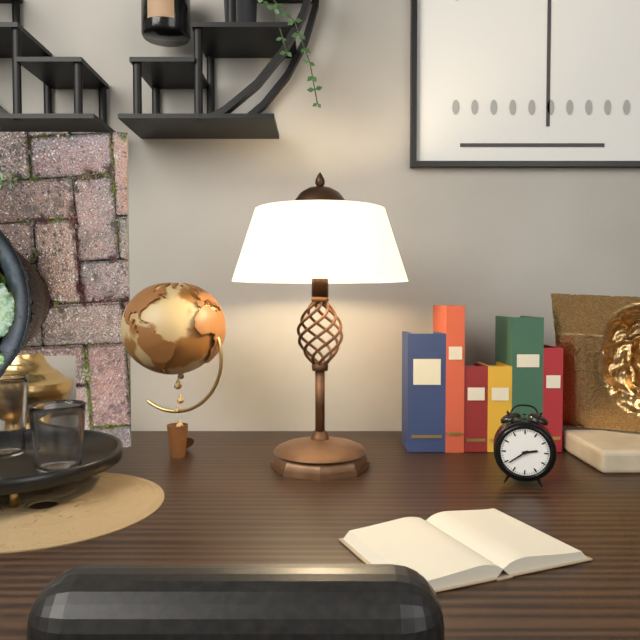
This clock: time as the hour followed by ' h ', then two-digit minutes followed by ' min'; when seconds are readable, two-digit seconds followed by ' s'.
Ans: 2 h 39 min
